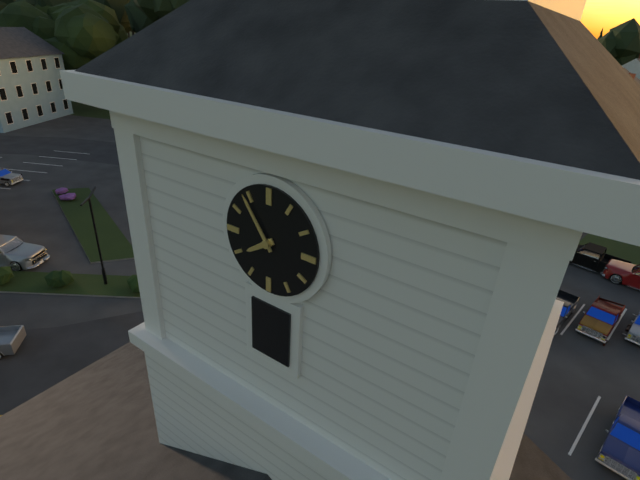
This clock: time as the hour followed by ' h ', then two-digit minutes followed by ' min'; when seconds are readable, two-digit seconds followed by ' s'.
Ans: 7 h 54 min
